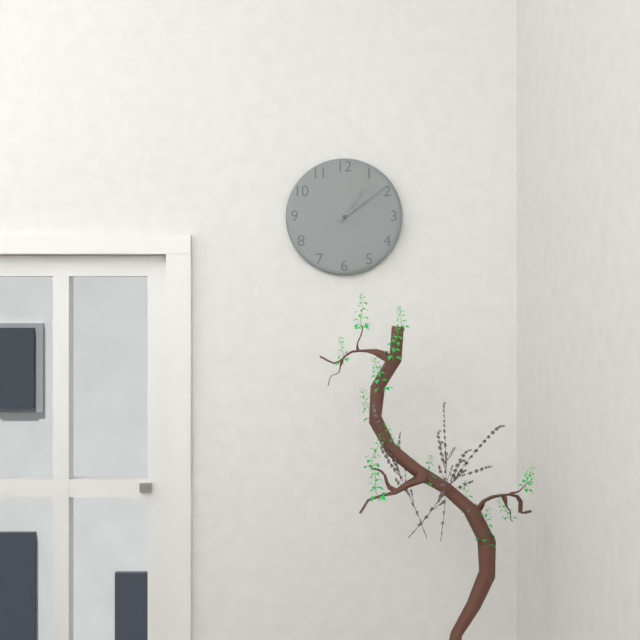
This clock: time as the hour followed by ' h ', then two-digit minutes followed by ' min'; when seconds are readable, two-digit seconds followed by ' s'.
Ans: 1 h 09 min
